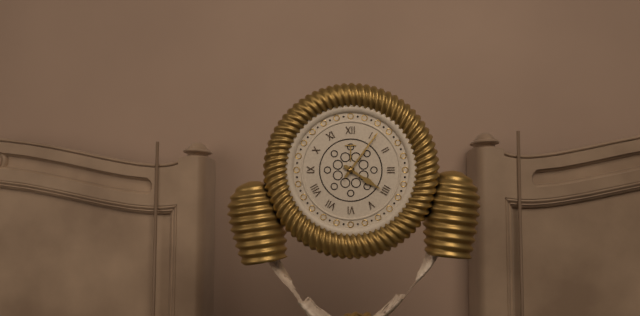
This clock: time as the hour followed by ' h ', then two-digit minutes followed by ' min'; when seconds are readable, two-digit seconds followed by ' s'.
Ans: 4 h 06 min
